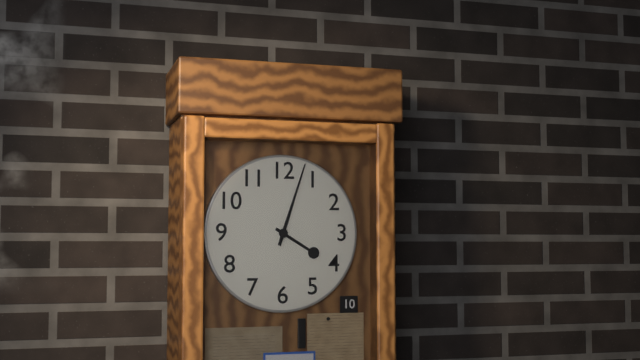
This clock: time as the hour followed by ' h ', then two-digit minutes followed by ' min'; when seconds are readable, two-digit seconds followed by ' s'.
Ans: 4 h 03 min
